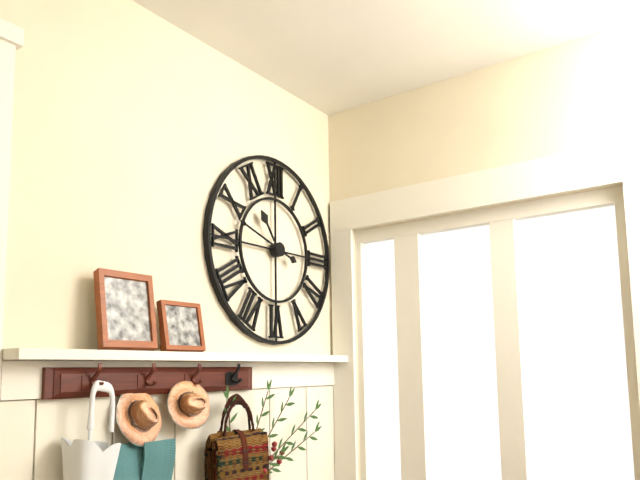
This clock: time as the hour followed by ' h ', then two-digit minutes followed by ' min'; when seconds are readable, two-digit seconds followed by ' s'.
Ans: 10 h 48 min
